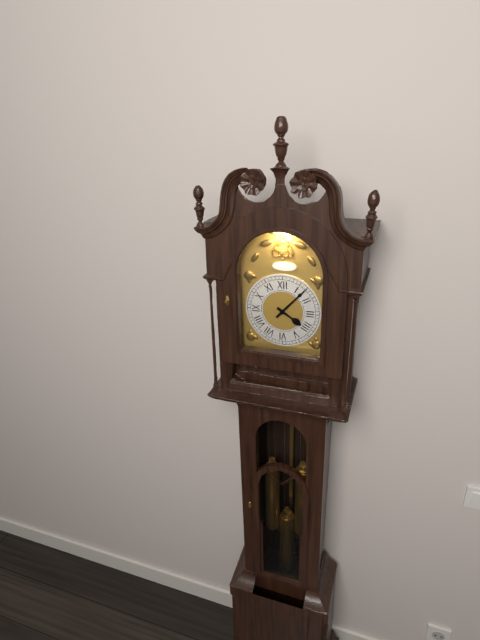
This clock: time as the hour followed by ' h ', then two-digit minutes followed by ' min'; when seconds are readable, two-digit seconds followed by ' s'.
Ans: 4 h 07 min
